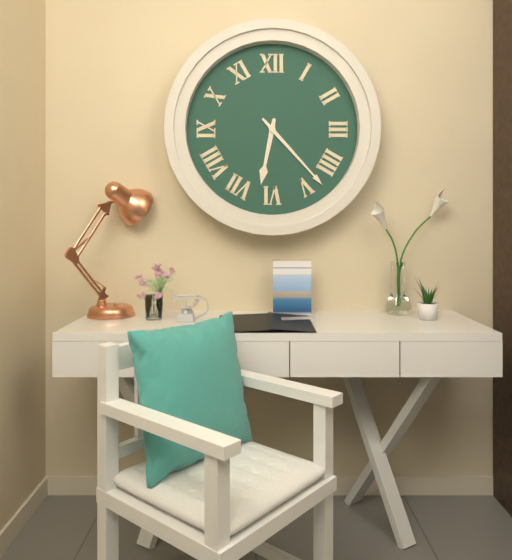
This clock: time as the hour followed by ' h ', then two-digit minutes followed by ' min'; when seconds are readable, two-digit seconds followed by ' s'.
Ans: 6 h 23 min
